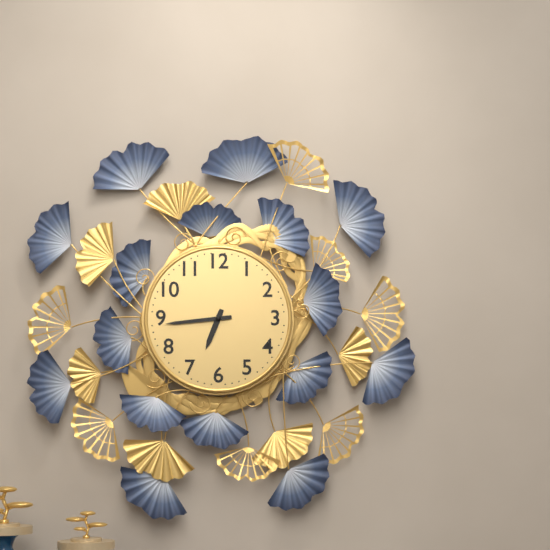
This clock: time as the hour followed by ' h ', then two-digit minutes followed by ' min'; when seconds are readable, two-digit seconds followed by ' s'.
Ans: 6 h 44 min
